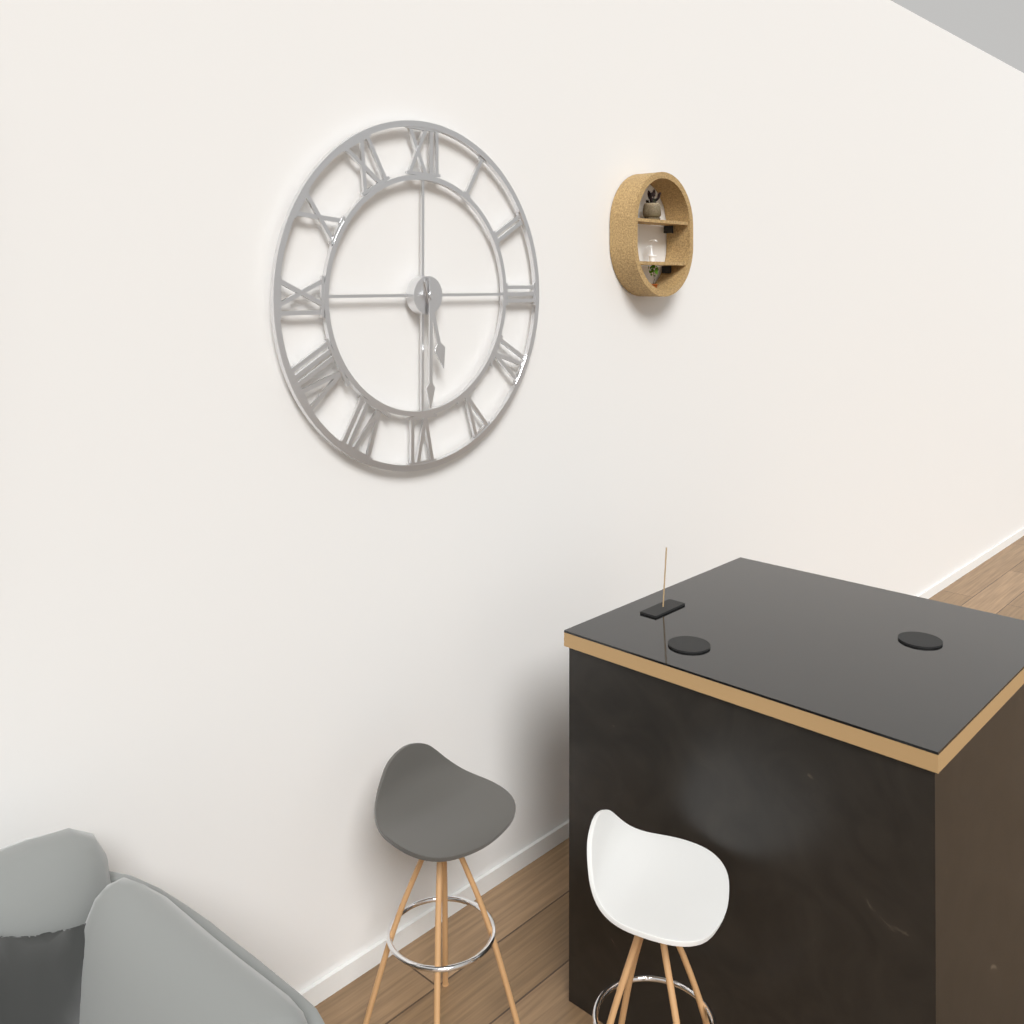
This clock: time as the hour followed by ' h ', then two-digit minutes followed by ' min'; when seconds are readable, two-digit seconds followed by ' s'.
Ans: 5 h 30 min
